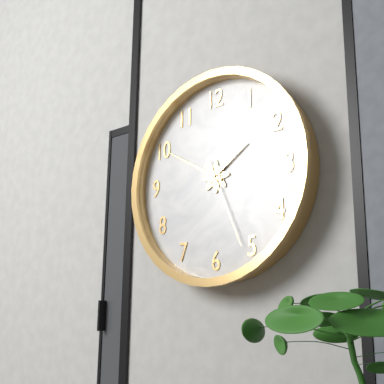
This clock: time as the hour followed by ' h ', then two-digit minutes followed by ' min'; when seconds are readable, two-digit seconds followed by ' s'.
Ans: 1 h 50 min 26 s
